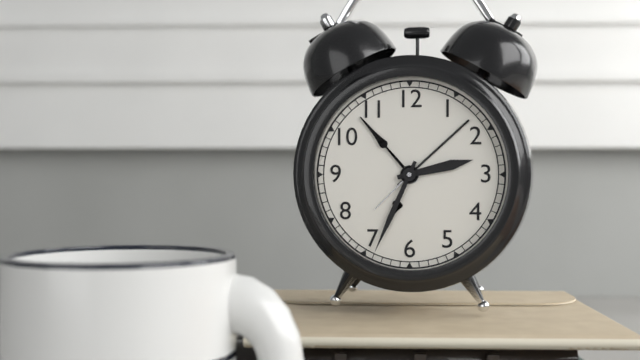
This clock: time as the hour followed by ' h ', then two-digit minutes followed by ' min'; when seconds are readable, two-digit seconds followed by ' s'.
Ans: 2 h 34 min
